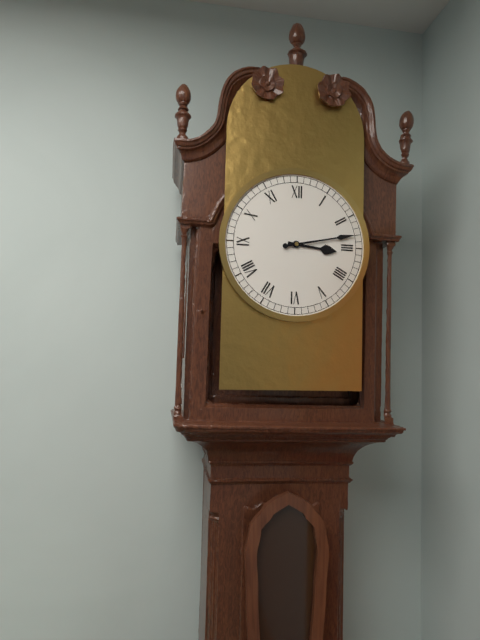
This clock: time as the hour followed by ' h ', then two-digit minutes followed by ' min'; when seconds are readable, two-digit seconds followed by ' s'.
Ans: 3 h 13 min
